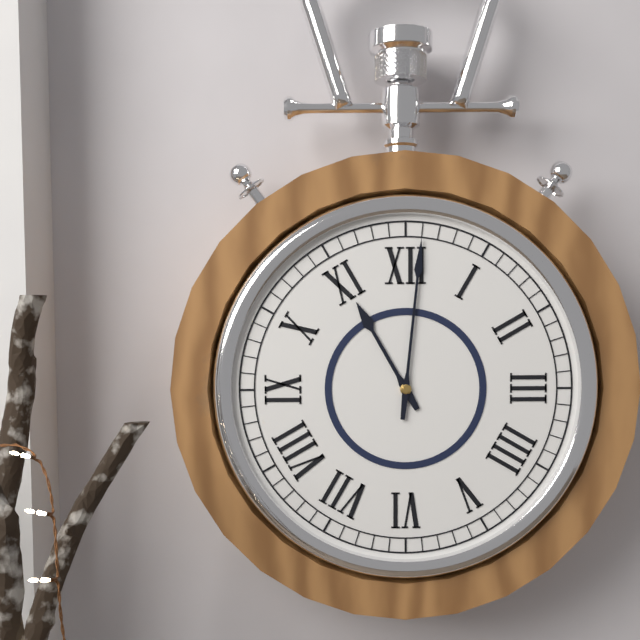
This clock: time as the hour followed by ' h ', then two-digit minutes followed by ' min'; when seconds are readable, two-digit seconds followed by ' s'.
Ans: 11 h 01 min
